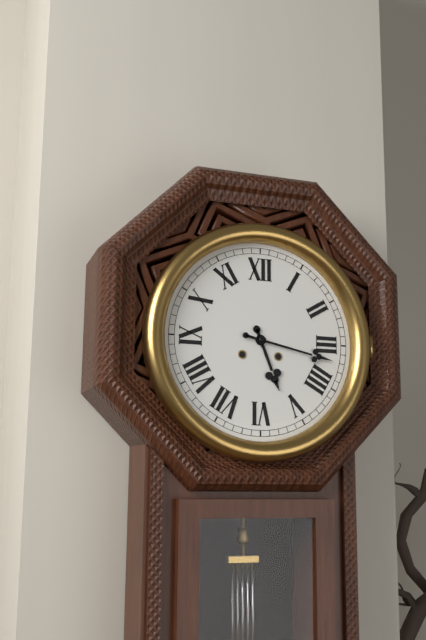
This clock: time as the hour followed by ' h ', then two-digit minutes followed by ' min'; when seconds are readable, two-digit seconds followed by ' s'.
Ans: 5 h 17 min
